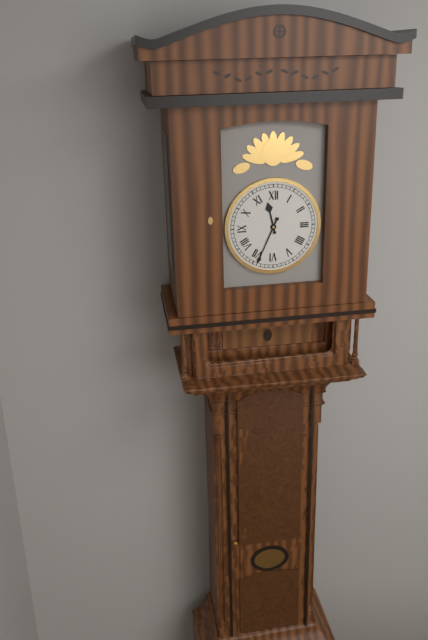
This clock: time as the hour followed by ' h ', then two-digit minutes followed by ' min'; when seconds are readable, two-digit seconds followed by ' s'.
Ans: 11 h 34 min
